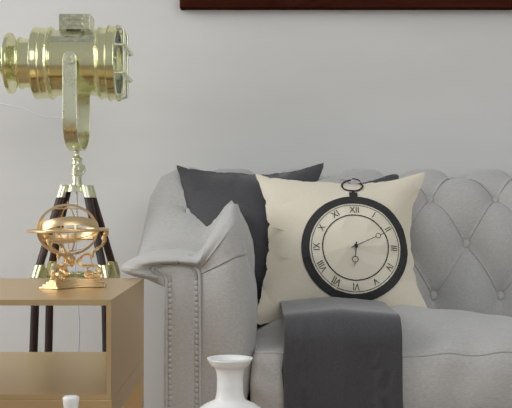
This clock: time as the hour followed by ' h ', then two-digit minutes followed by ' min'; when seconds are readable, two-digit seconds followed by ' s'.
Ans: 6 h 11 min
